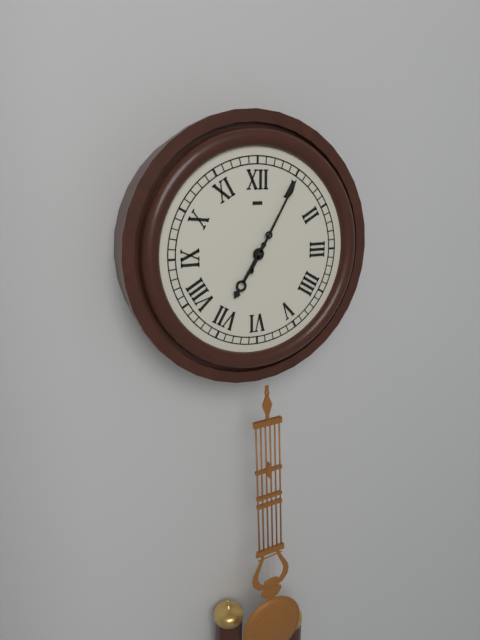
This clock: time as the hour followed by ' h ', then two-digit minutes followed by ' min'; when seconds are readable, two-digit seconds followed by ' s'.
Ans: 7 h 05 min
